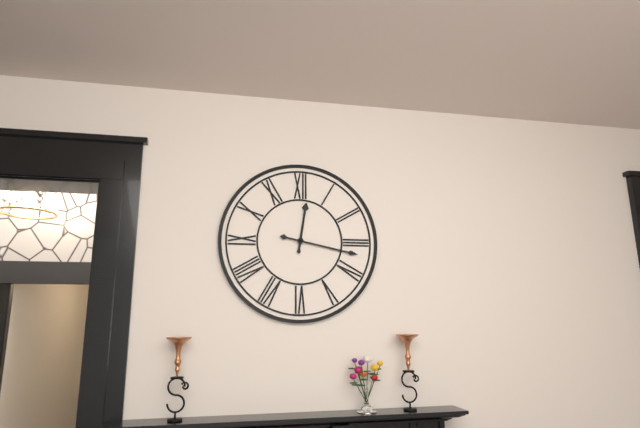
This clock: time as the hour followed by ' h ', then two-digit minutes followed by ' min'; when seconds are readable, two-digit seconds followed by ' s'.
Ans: 12 h 17 min
